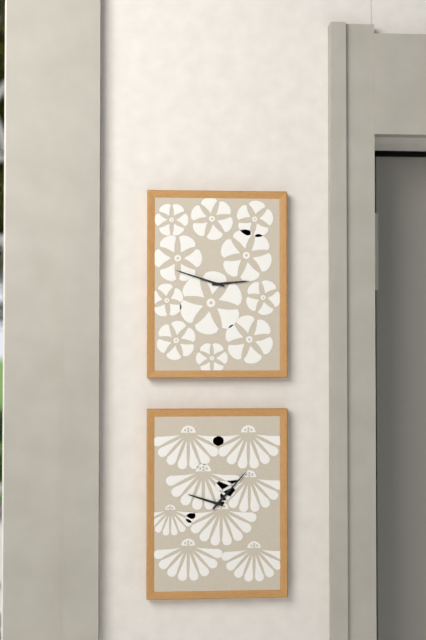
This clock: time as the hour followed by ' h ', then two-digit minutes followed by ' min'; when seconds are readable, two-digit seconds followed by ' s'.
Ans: 2 h 48 min
